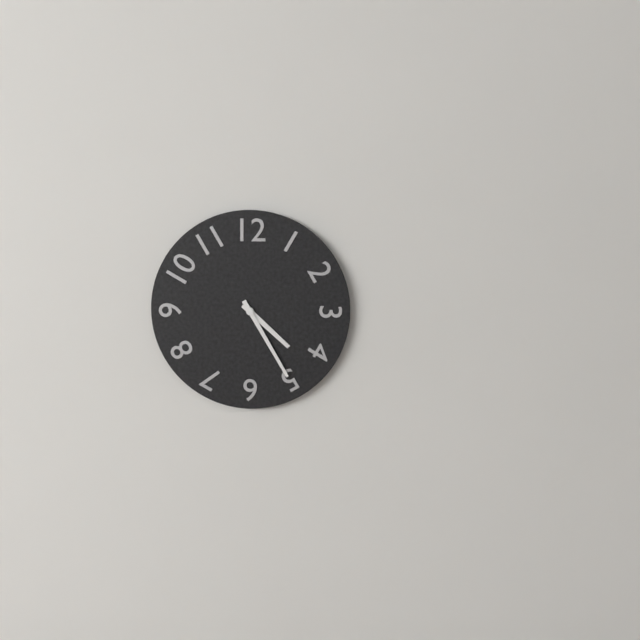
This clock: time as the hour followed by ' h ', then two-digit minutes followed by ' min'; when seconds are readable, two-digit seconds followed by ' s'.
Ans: 4 h 25 min
